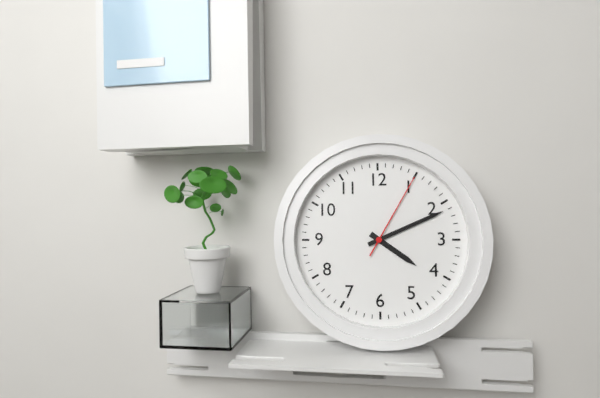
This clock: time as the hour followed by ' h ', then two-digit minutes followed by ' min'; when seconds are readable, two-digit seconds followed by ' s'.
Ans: 4 h 11 min 05 s
